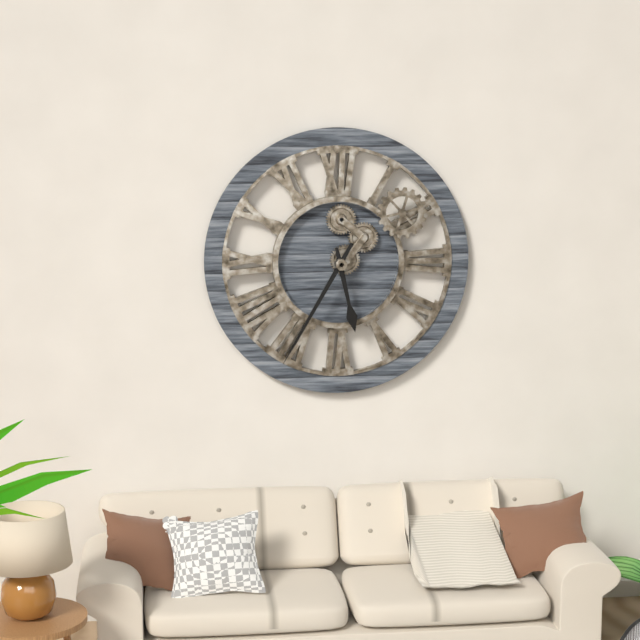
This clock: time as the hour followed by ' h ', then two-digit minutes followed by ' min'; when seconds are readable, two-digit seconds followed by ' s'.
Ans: 5 h 35 min
